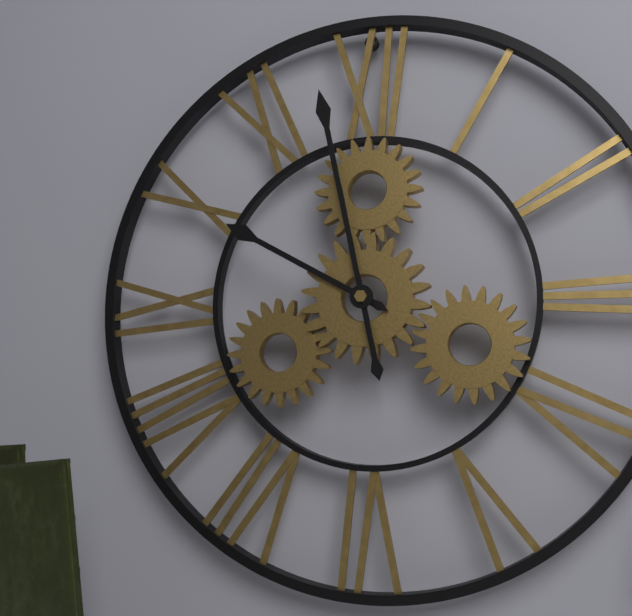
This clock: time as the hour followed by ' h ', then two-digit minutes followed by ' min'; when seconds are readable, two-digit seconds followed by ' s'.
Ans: 9 h 58 min
